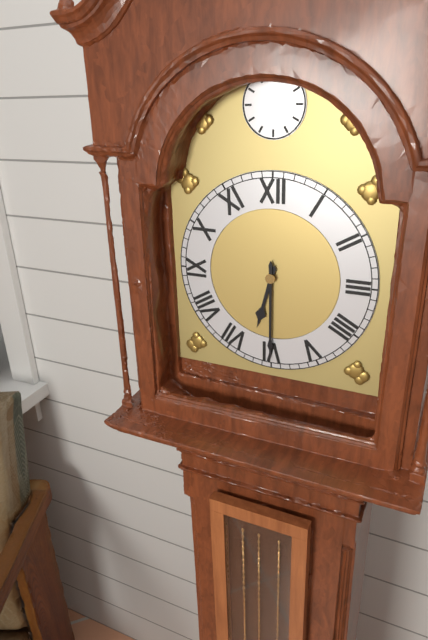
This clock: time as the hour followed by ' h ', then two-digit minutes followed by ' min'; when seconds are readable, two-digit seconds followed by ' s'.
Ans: 6 h 30 min
